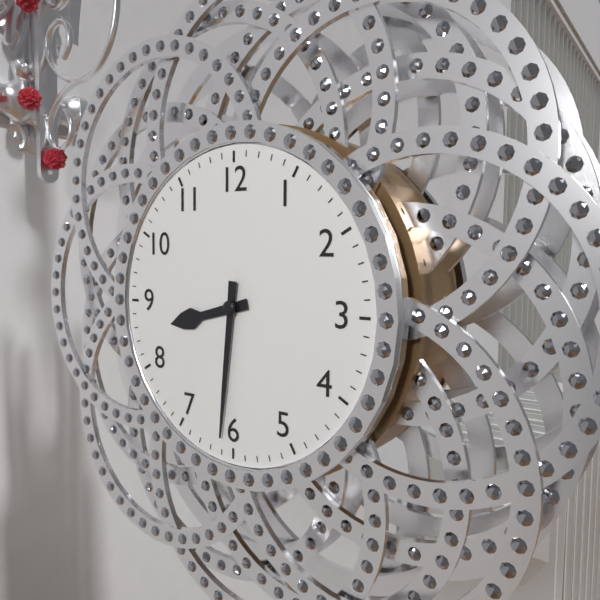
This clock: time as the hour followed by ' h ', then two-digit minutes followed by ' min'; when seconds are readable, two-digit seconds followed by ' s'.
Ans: 8 h 31 min
